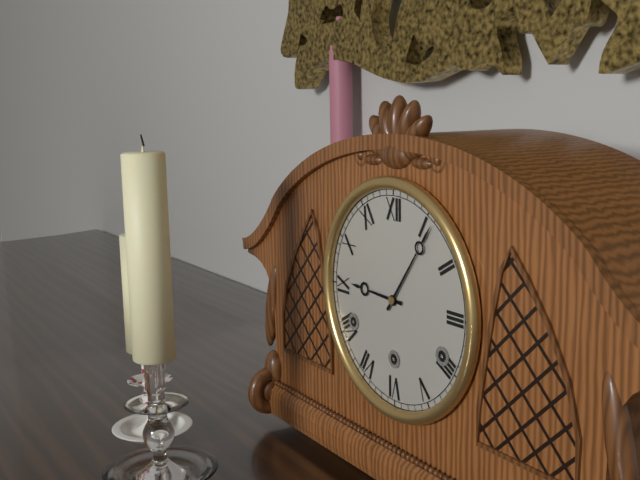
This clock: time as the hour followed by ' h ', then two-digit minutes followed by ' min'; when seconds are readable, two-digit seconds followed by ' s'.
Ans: 9 h 06 min
